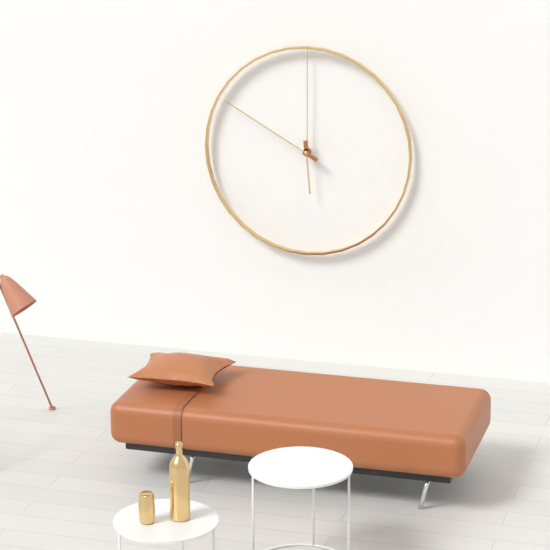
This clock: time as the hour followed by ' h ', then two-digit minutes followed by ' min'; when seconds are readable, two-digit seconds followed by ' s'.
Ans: 5 h 50 min
